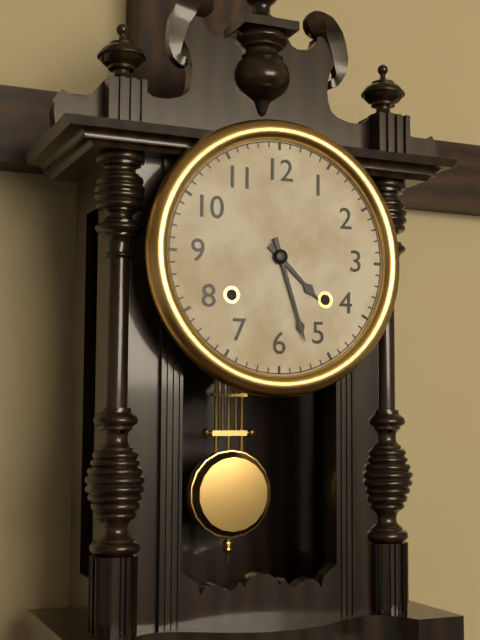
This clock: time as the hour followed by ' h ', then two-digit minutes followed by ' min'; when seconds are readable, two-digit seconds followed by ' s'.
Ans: 4 h 27 min
